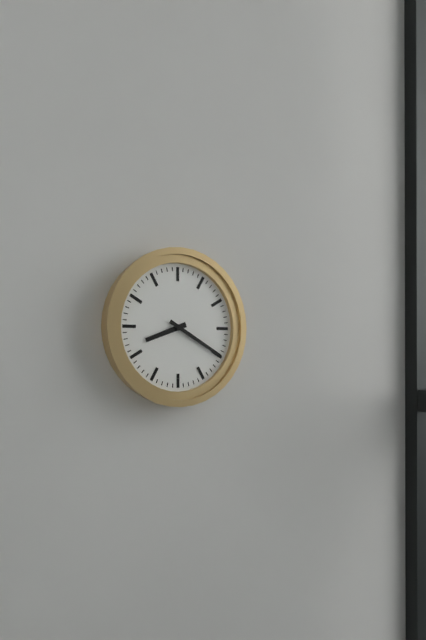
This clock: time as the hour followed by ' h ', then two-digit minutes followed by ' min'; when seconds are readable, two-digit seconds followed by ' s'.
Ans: 8 h 20 min
